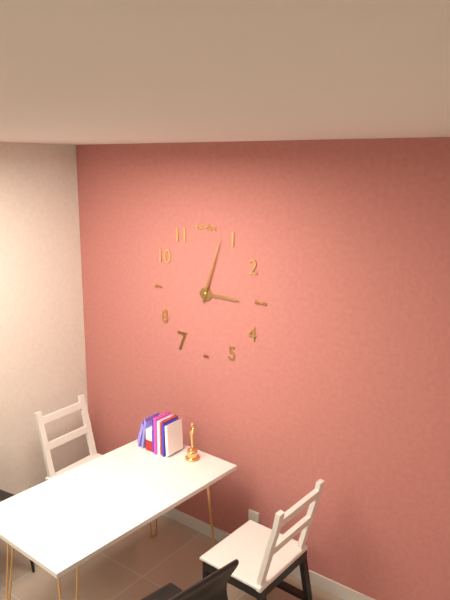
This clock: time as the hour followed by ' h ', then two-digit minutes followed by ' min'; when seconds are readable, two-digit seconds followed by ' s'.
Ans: 3 h 03 min
